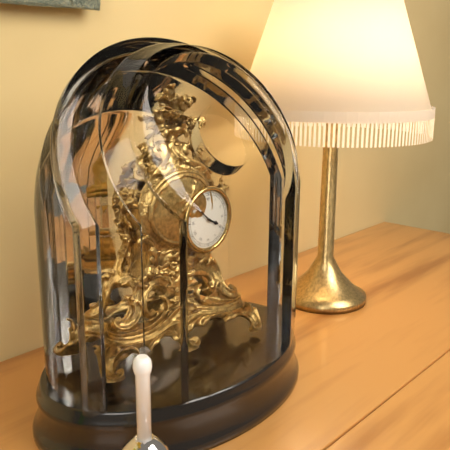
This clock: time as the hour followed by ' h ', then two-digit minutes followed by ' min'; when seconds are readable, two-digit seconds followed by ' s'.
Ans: 3 h 52 min
